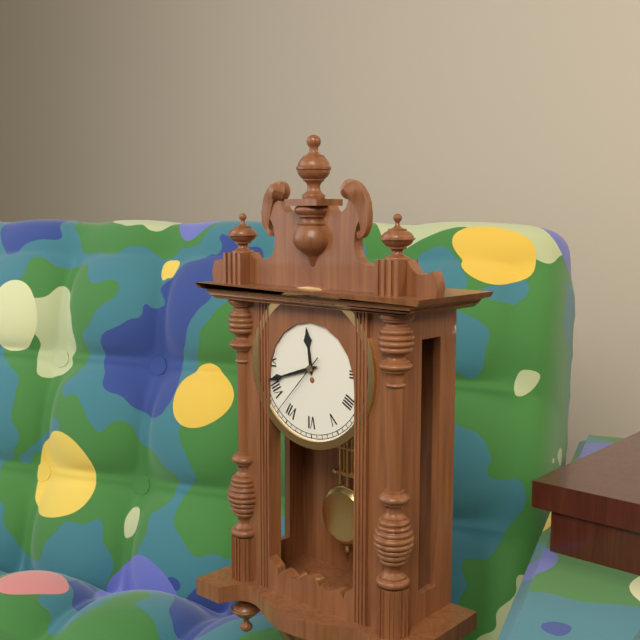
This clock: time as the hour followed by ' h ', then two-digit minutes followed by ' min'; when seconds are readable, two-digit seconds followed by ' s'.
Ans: 11 h 42 min 37 s
